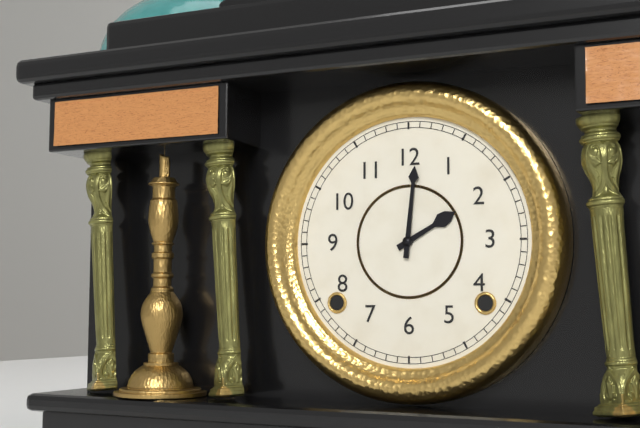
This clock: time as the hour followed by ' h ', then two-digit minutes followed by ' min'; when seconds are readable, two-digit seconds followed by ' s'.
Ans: 2 h 01 min
